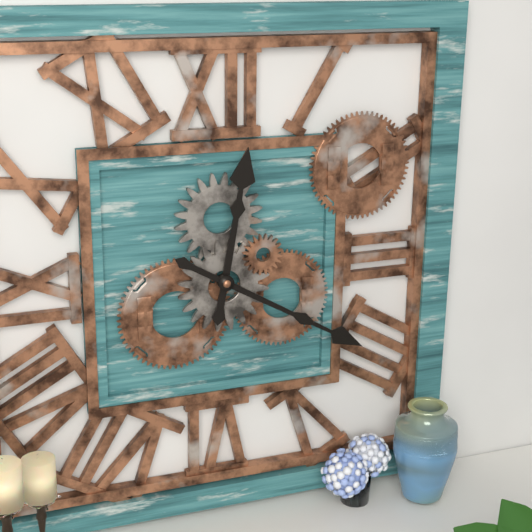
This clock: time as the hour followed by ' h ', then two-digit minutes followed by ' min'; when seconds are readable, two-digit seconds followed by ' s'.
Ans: 12 h 20 min
